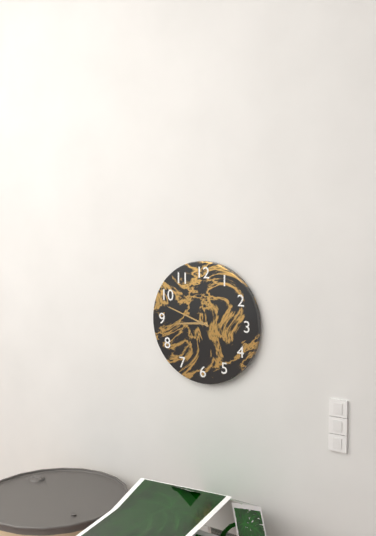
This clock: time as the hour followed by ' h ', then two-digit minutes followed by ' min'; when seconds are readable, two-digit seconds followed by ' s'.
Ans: 8 h 48 min
